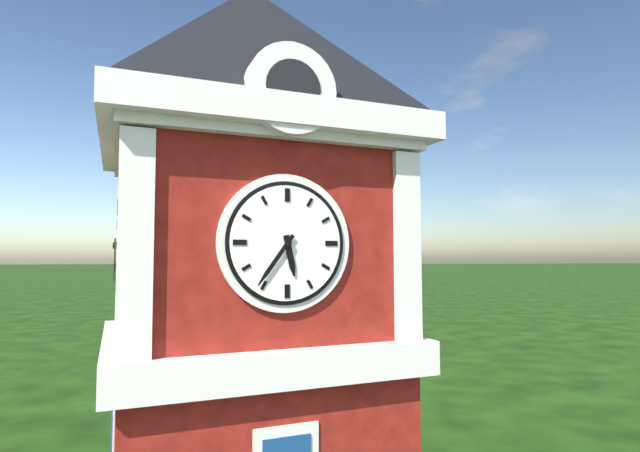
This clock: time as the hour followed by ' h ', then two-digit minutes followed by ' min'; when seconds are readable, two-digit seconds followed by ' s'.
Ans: 5 h 36 min
